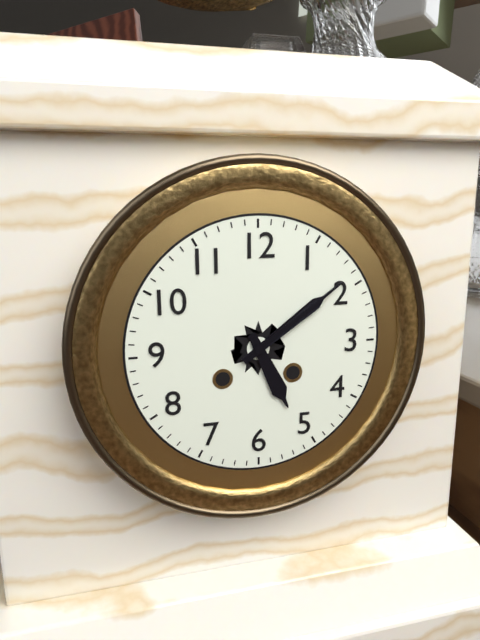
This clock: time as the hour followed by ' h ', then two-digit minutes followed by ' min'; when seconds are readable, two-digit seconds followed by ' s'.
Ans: 5 h 09 min
